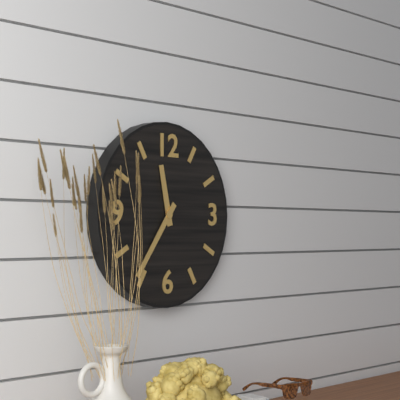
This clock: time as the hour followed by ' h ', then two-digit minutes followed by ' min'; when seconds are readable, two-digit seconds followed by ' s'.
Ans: 11 h 36 min
